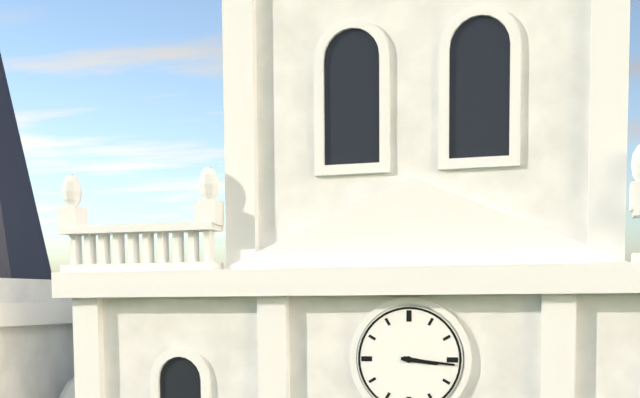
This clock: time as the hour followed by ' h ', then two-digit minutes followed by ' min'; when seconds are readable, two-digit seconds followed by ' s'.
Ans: 3 h 16 min
